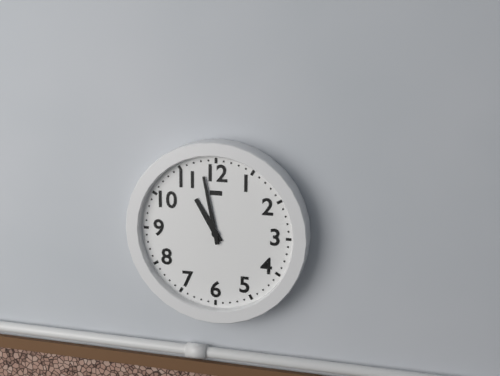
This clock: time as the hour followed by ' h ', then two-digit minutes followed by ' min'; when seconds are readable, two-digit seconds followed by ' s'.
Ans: 10 h 58 min
